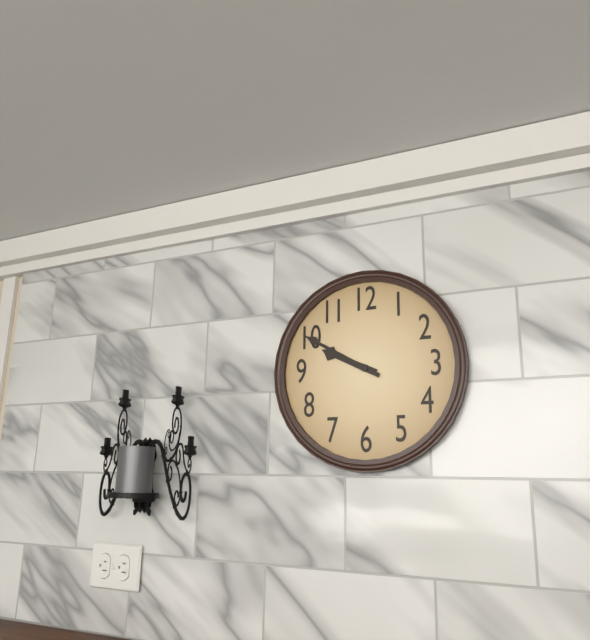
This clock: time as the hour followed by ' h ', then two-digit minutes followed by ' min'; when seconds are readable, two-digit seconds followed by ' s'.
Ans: 9 h 50 min
